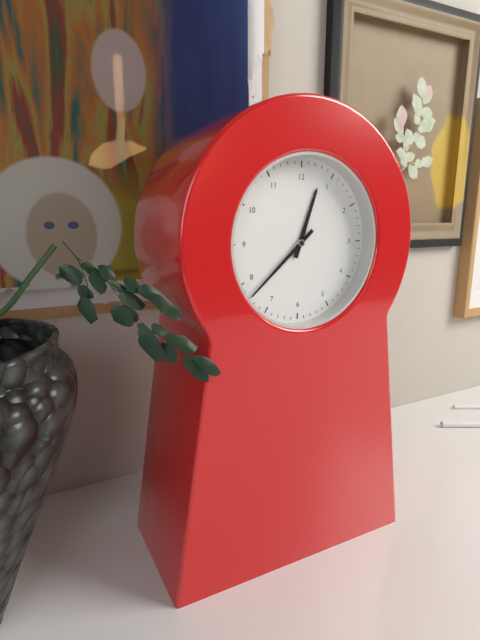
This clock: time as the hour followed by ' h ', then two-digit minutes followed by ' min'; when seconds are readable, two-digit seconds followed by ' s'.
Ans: 12 h 38 min
